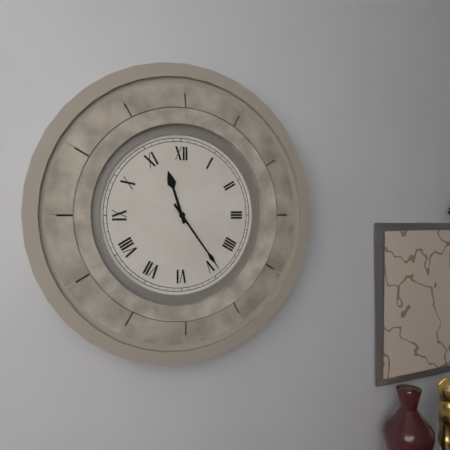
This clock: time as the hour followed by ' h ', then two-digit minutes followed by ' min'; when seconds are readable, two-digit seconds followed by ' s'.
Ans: 11 h 24 min
